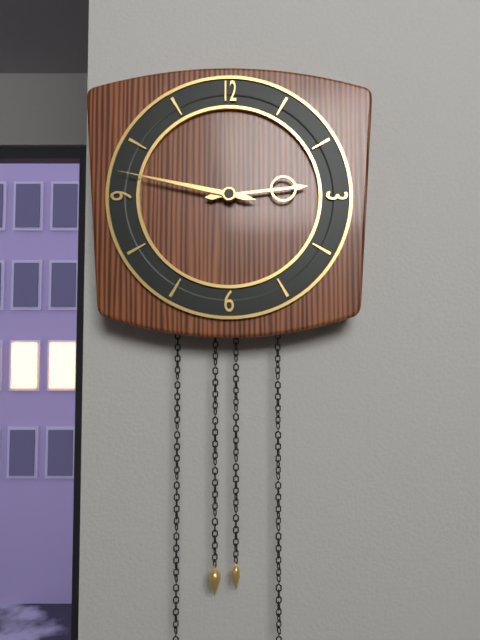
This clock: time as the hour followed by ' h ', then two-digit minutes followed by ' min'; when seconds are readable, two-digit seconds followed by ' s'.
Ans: 2 h 47 min
